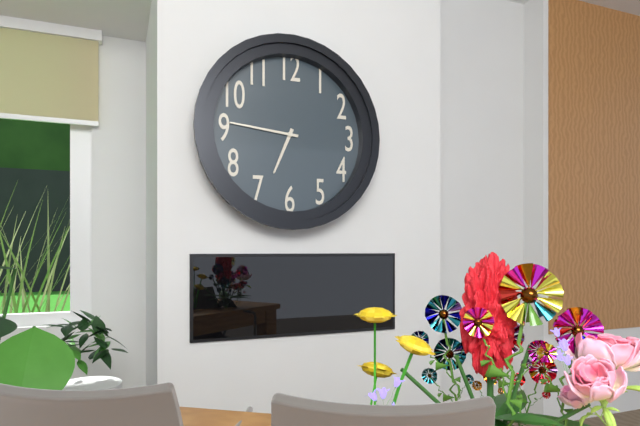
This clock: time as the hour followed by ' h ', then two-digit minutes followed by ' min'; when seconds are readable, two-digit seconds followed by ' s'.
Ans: 6 h 46 min
